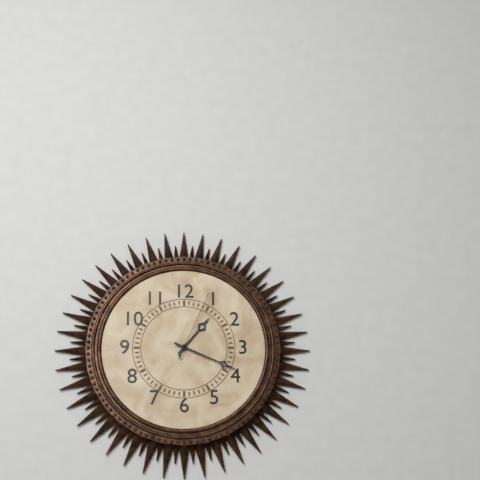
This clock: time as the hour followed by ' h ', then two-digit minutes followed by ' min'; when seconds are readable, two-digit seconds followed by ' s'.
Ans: 1 h 19 min 04 s
